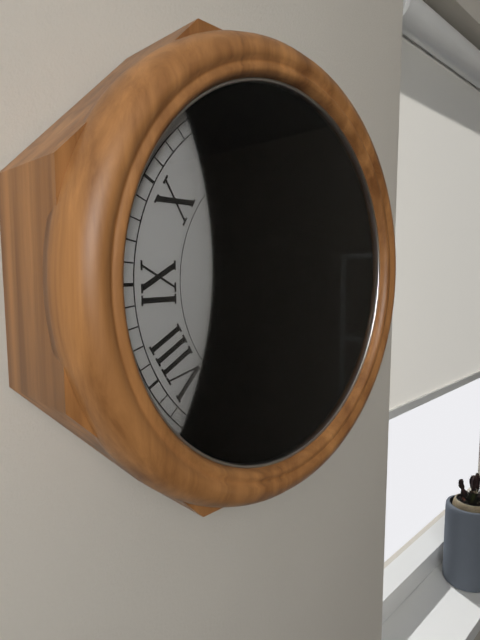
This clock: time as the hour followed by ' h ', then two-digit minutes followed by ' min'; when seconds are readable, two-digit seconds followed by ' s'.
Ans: 3 h 14 min
